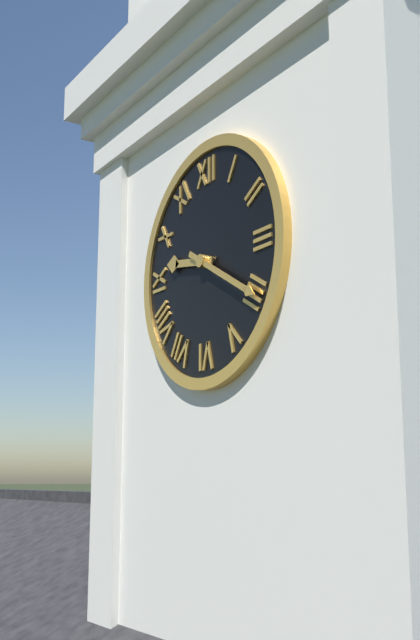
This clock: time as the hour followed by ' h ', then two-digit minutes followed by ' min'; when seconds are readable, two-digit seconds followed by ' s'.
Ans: 9 h 20 min
